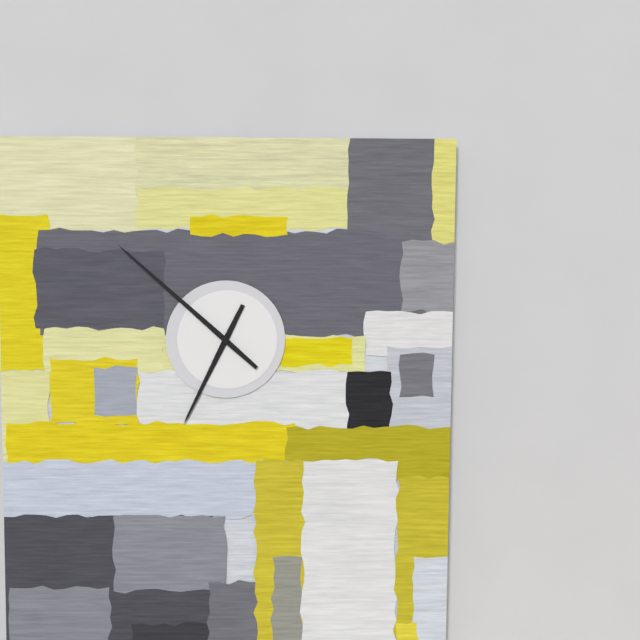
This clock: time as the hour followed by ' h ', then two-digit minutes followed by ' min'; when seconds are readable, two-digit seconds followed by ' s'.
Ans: 6 h 52 min
